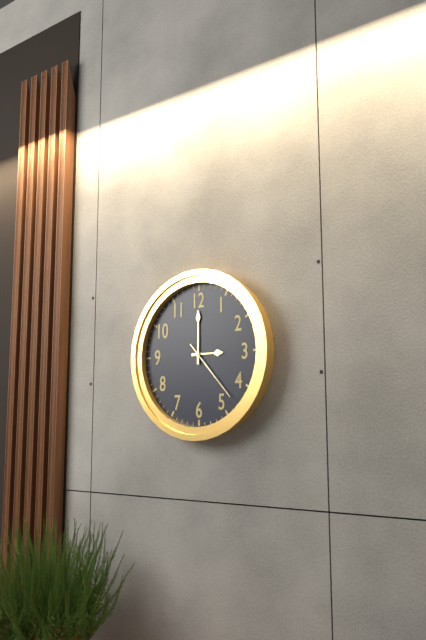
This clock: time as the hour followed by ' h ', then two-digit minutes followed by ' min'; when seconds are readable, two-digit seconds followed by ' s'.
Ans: 3 h 00 min 23 s
